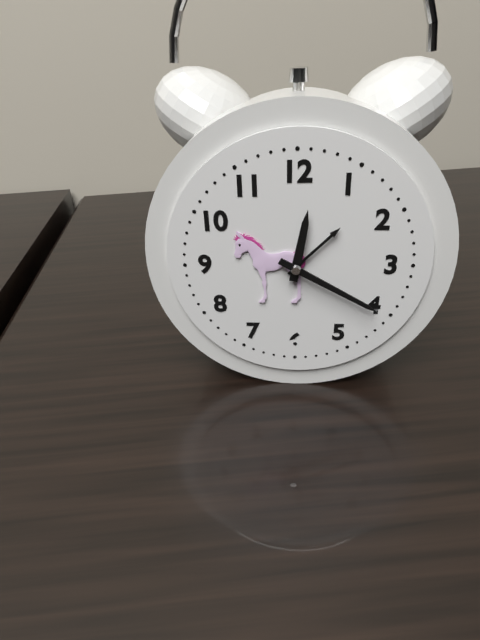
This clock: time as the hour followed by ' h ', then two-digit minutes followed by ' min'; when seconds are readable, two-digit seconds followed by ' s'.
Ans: 12 h 20 min
